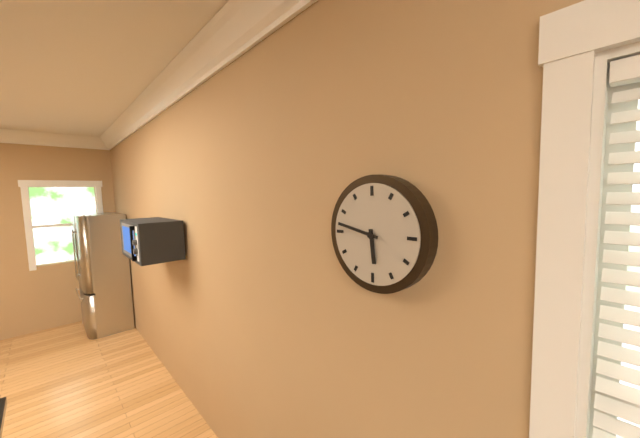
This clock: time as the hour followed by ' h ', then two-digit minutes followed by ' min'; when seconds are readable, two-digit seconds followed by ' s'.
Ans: 5 h 47 min
